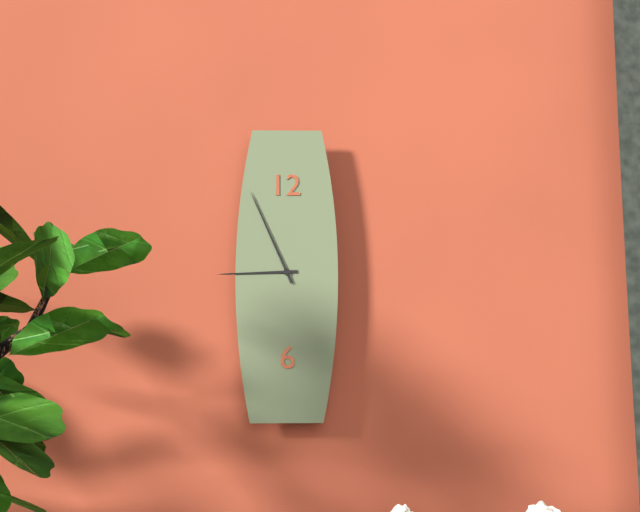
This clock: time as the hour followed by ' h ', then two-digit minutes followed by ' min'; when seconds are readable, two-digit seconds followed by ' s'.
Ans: 8 h 56 min
